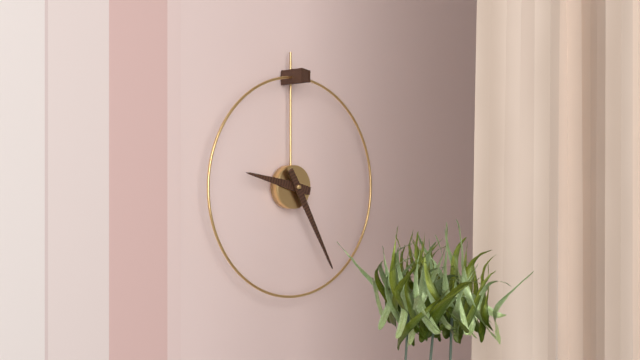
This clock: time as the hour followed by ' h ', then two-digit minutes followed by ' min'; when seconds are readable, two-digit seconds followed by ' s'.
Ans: 9 h 25 min
